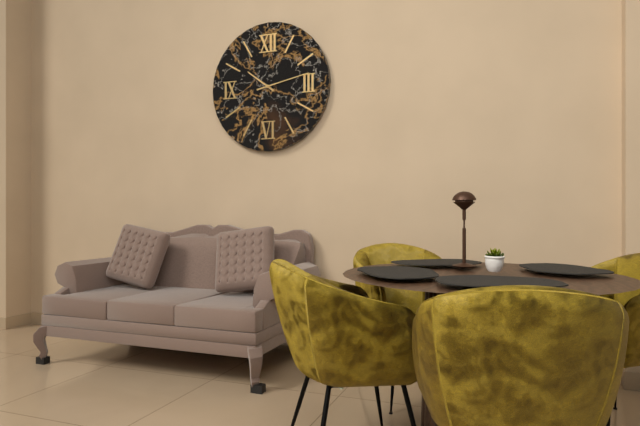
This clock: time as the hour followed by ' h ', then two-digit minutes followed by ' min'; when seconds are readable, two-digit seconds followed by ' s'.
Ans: 10 h 13 min
